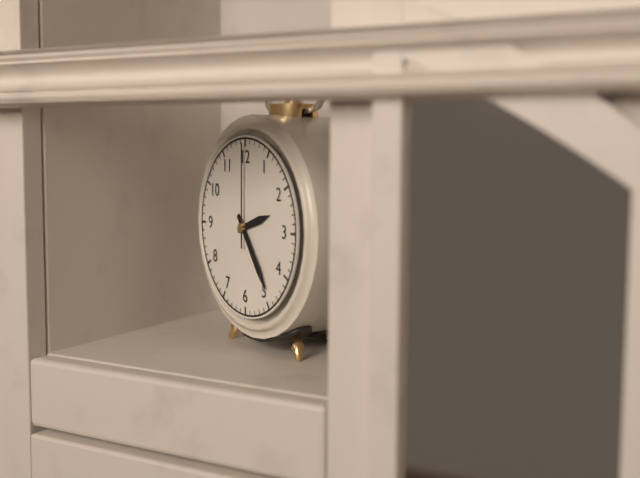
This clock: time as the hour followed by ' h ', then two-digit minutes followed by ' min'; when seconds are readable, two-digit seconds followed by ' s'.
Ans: 2 h 24 min 00 s
